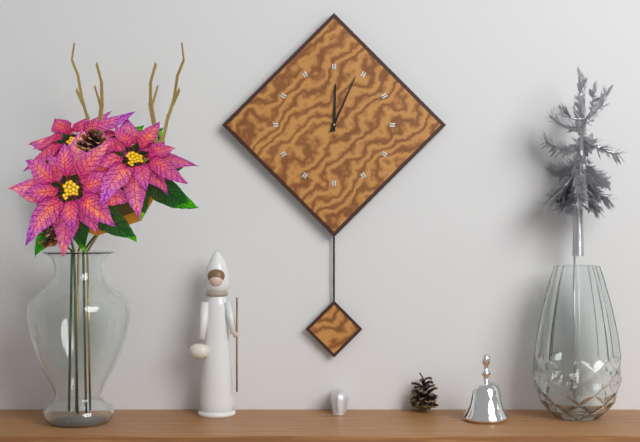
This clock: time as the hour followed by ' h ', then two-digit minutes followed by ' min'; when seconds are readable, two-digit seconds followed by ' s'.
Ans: 12 h 04 min
